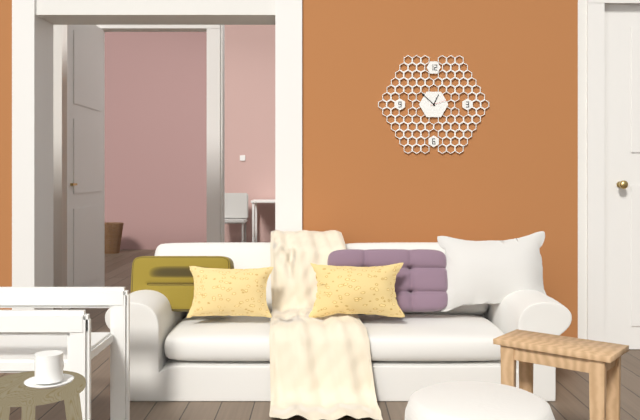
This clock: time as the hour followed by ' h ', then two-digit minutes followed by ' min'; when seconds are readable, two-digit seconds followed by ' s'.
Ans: 12 h 52 min
